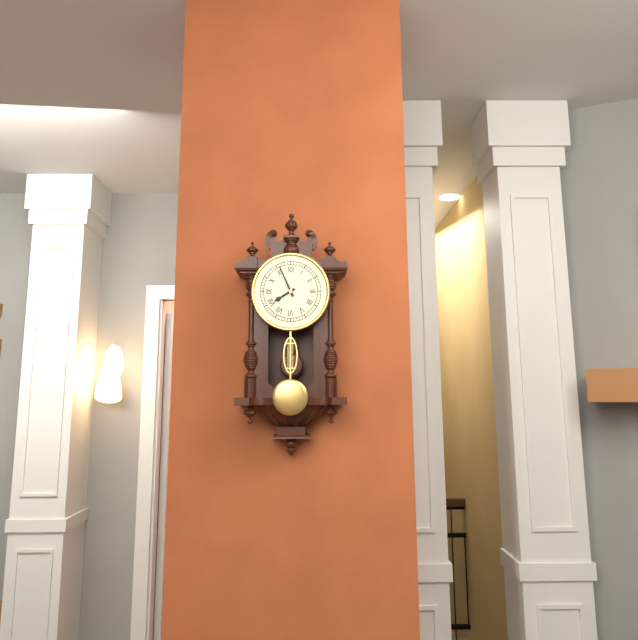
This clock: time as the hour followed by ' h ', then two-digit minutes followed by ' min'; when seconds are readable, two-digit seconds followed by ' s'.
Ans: 7 h 56 min
